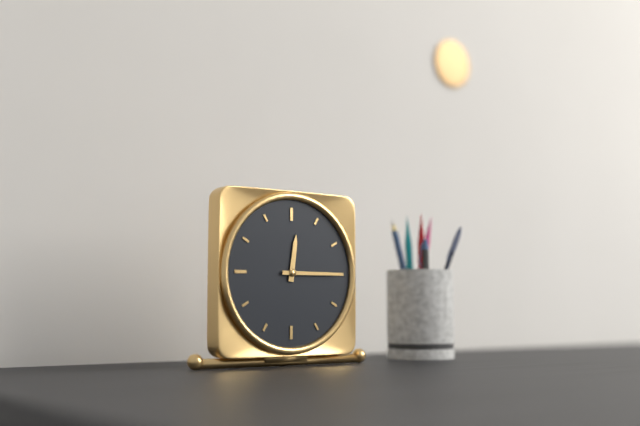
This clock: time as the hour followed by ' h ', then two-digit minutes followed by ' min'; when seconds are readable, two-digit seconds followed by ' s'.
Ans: 12 h 15 min
